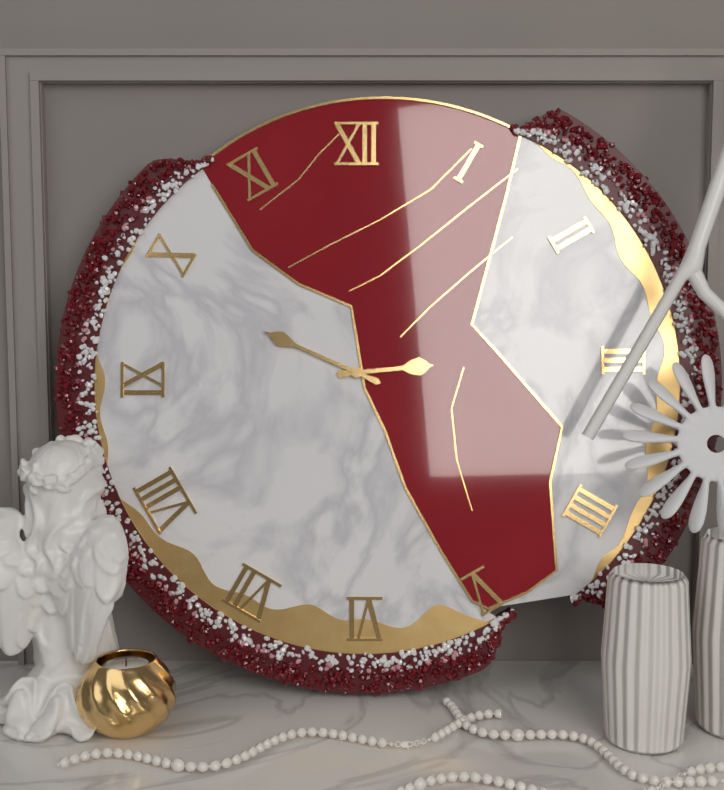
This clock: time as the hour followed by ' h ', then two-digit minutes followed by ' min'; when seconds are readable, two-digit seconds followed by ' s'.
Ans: 2 h 49 min
